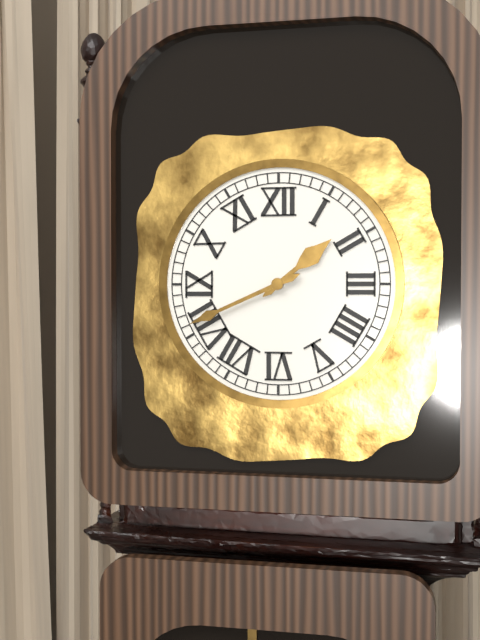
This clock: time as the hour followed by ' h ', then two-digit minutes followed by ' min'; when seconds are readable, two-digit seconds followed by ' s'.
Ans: 1 h 41 min
